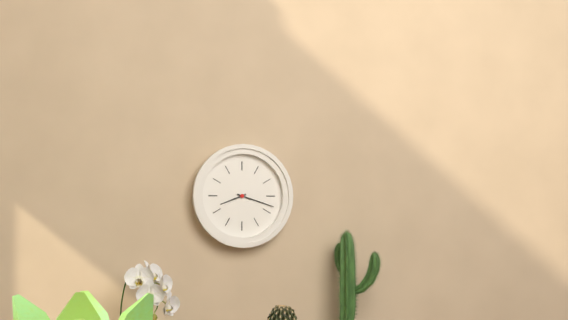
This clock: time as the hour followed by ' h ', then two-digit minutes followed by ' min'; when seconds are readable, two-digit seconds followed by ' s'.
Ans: 8 h 18 min
